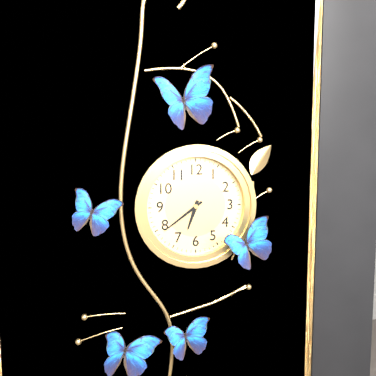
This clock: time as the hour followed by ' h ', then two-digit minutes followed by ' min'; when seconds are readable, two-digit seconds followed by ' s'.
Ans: 6 h 39 min
